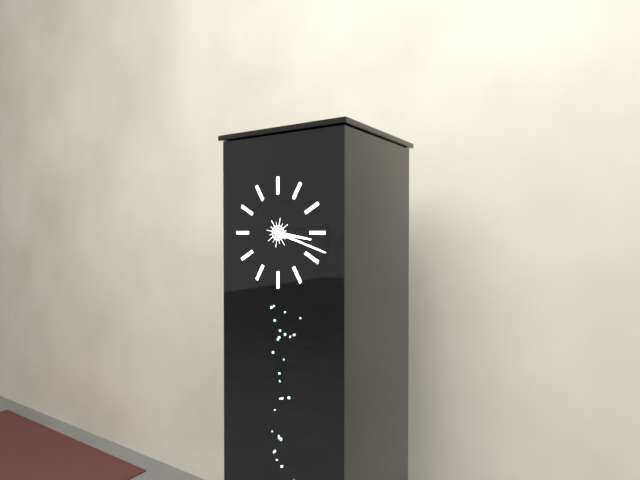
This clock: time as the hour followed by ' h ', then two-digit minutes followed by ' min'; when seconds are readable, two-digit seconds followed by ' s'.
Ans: 3 h 18 min
